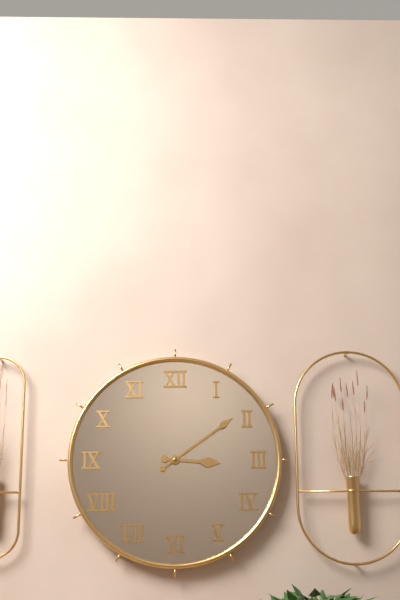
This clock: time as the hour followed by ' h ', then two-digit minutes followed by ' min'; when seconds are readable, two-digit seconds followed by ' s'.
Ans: 3 h 09 min
